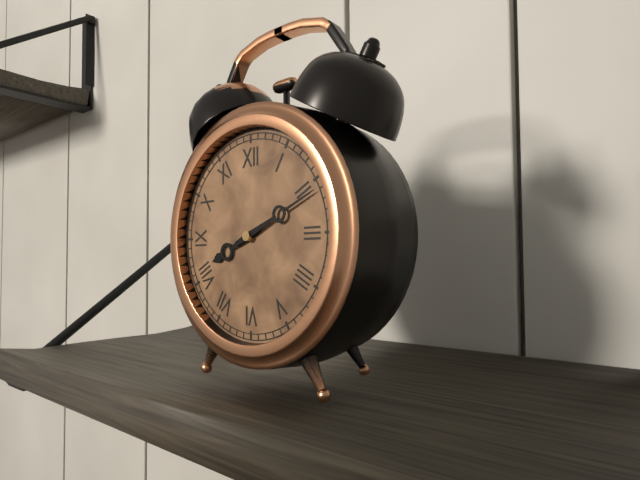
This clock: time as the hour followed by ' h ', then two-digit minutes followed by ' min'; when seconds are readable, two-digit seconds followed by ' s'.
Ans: 8 h 11 min
